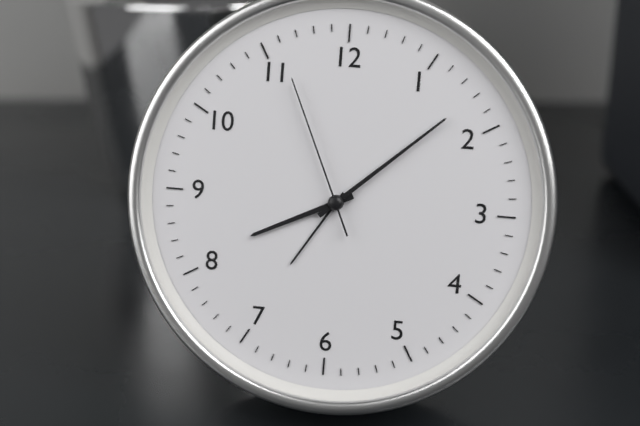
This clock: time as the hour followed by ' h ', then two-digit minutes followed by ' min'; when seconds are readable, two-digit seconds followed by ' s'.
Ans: 8 h 08 min 56 s
